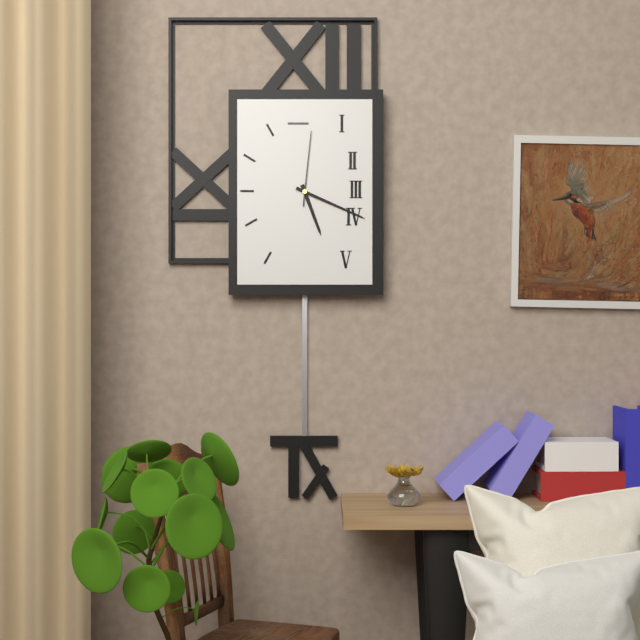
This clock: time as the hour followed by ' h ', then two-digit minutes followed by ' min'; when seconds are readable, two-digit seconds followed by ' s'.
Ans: 5 h 19 min 01 s
